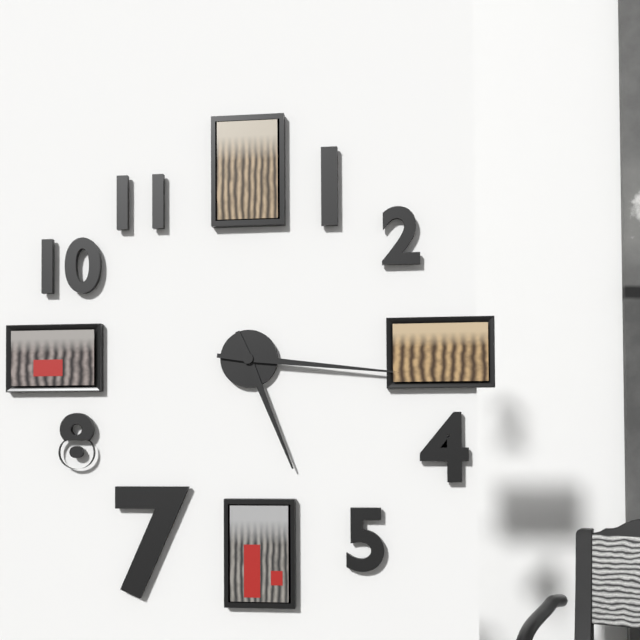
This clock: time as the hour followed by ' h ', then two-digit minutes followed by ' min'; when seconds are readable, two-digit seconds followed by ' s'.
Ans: 5 h 16 min
